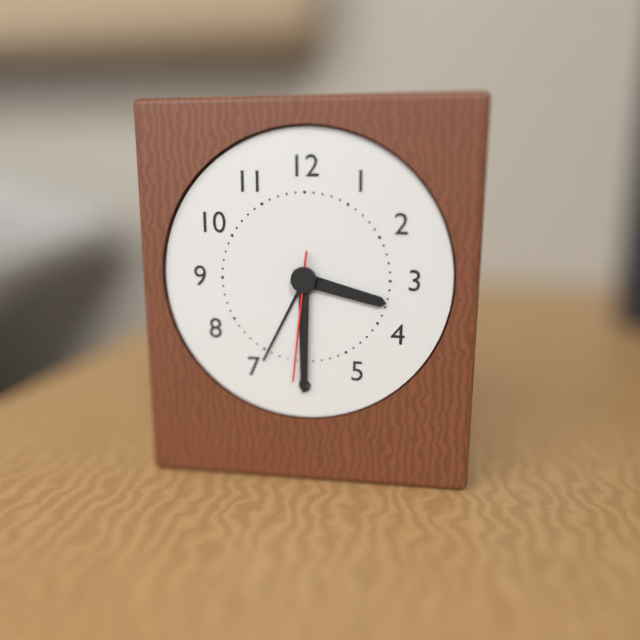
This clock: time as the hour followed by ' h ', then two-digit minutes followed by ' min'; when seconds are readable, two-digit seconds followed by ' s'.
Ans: 3 h 30 min 31 s
